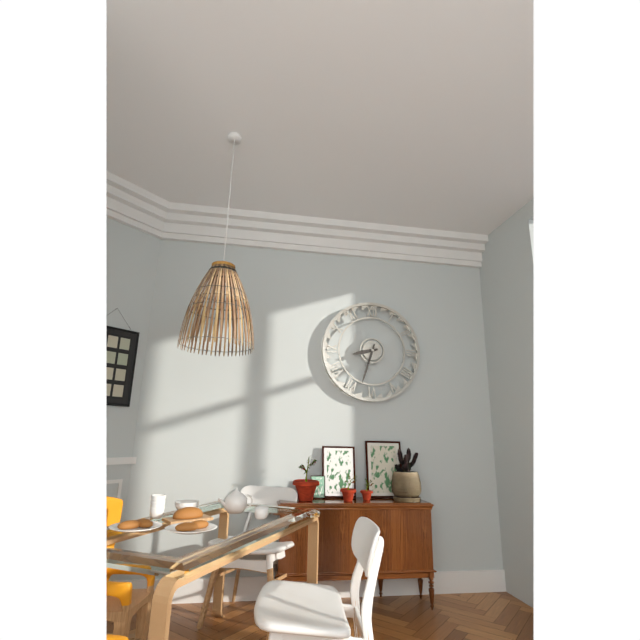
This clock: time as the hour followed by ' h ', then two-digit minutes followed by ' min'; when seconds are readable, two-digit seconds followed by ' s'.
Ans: 8 h 33 min
